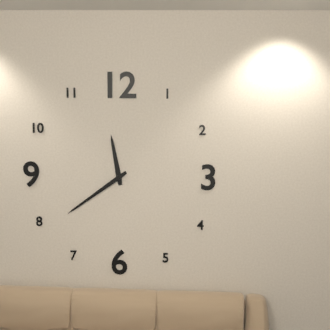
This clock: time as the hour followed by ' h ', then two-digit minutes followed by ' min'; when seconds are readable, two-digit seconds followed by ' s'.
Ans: 11 h 39 min
